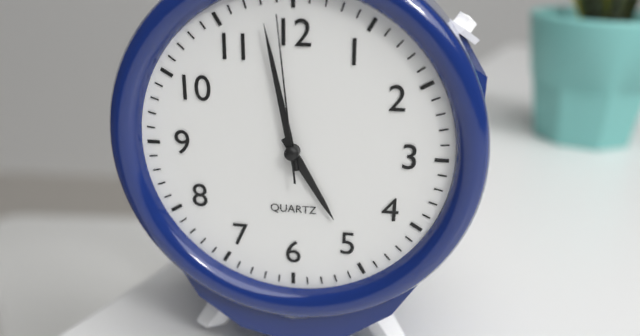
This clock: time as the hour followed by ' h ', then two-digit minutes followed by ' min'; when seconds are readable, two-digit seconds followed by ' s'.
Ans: 4 h 58 min 59 s
